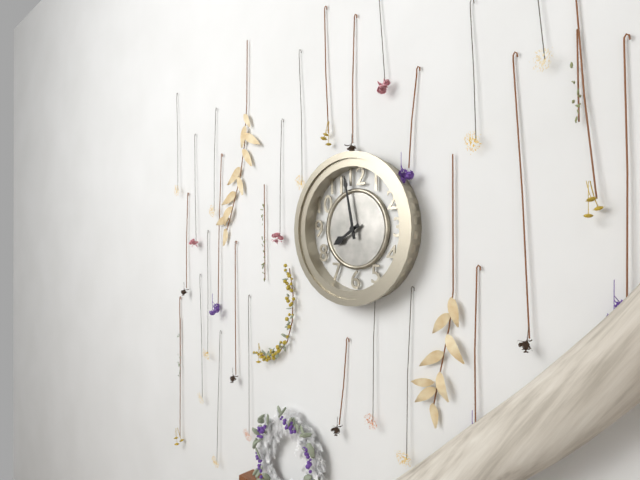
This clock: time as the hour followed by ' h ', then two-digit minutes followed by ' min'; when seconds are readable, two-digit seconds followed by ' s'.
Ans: 7 h 58 min
